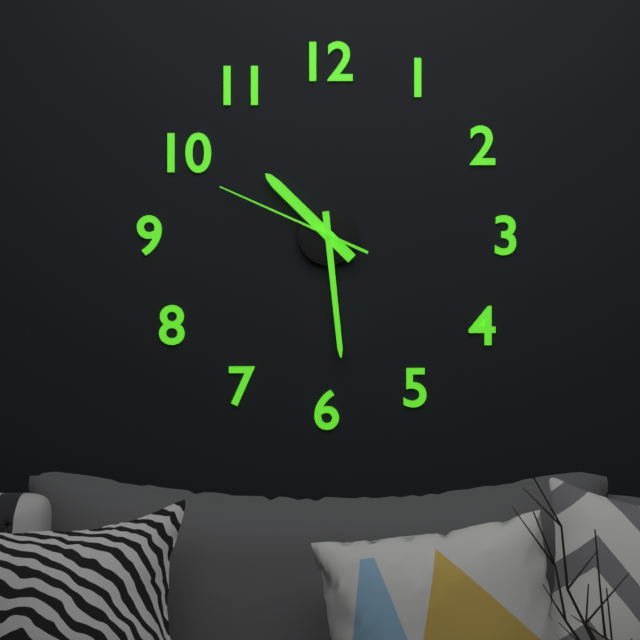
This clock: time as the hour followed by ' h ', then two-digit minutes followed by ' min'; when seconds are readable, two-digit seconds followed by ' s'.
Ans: 10 h 29 min 49 s
